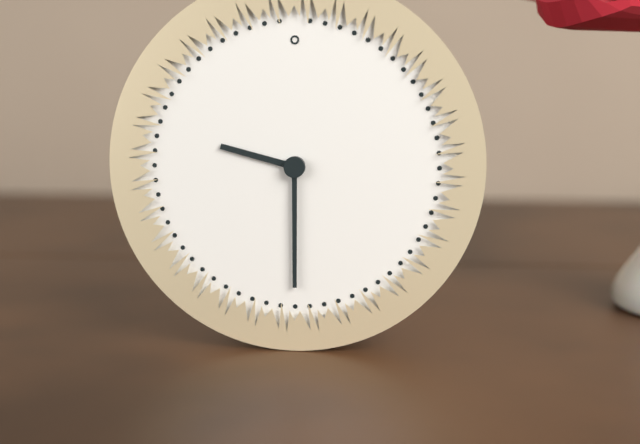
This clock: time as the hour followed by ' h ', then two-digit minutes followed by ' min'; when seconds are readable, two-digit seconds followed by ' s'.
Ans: 9 h 30 min
